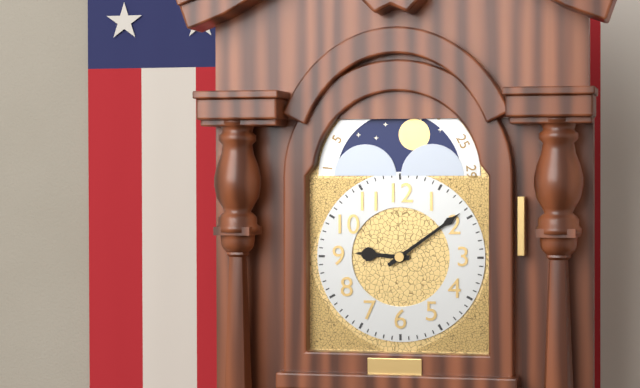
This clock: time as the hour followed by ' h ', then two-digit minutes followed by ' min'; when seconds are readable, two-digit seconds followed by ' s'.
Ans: 9 h 09 min
